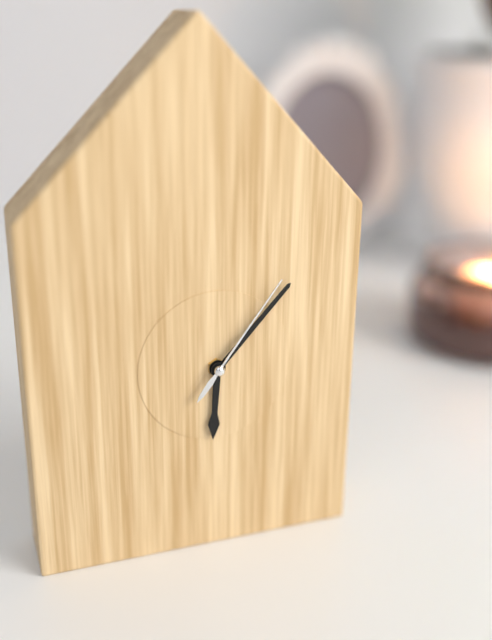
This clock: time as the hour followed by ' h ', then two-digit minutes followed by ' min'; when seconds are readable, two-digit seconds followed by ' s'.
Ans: 6 h 07 min 06 s
